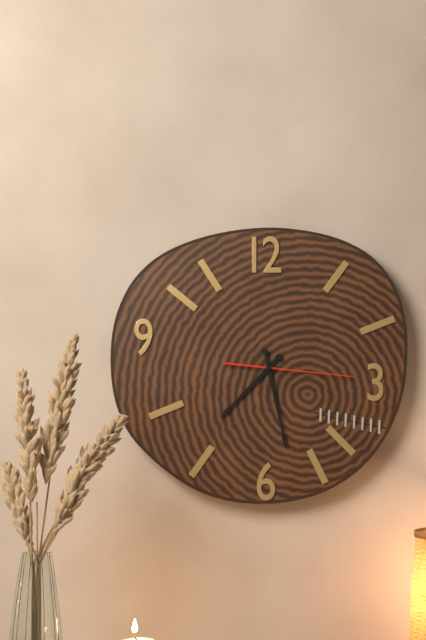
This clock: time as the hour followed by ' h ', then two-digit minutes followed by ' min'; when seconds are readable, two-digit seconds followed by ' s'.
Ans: 7 h 28 min 16 s
